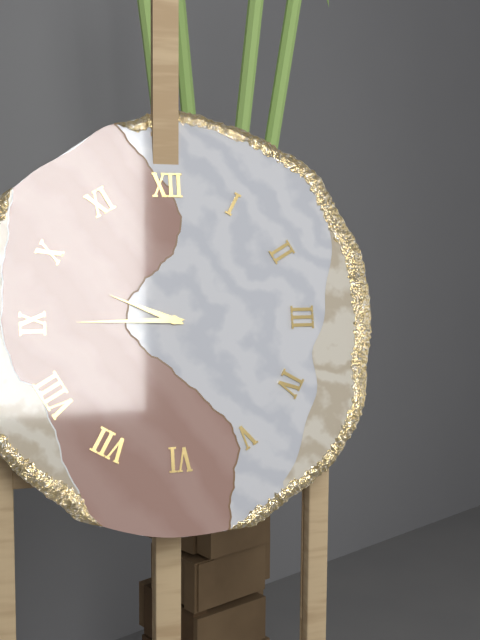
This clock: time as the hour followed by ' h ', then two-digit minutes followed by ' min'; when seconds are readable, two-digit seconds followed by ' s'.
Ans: 9 h 45 min
